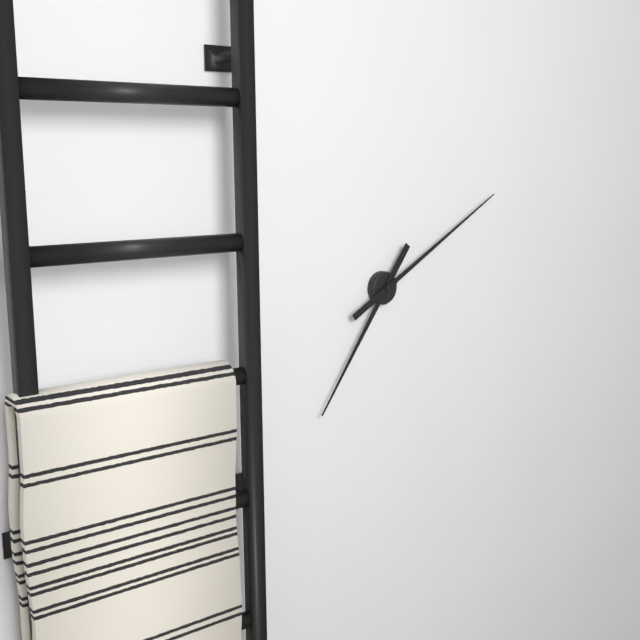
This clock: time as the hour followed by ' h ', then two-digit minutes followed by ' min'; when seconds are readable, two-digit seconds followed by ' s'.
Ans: 7 h 10 min
